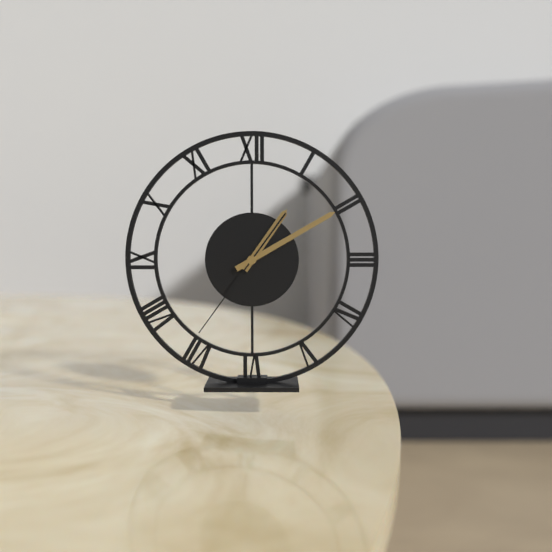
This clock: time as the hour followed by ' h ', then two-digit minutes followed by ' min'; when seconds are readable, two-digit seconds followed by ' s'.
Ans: 1 h 10 min 36 s
